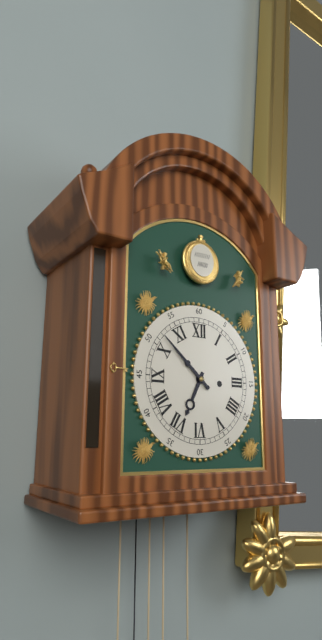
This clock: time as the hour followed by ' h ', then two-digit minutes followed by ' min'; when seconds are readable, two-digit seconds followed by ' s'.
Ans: 6 h 52 min
